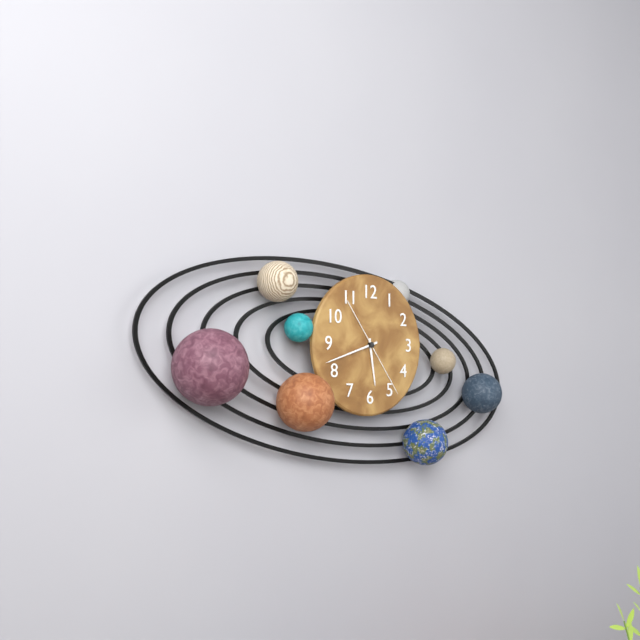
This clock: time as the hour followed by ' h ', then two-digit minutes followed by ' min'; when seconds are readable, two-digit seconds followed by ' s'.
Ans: 5 h 42 min 24 s
